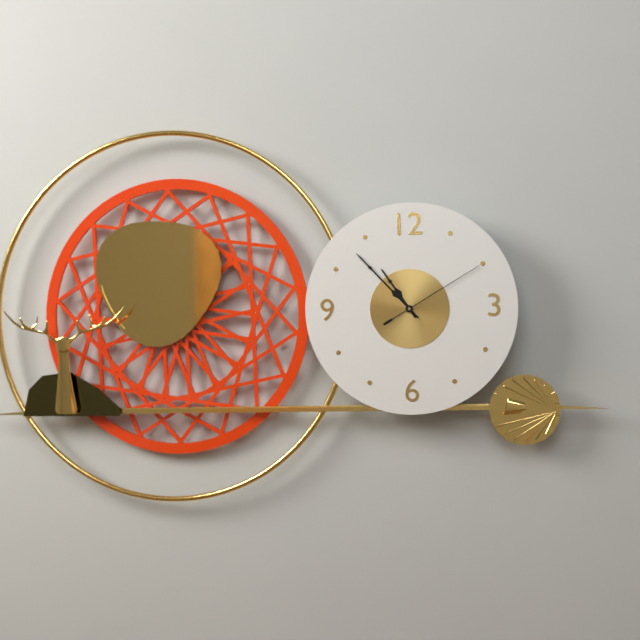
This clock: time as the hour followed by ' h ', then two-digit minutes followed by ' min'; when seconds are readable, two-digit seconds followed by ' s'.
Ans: 10 h 53 min 10 s
